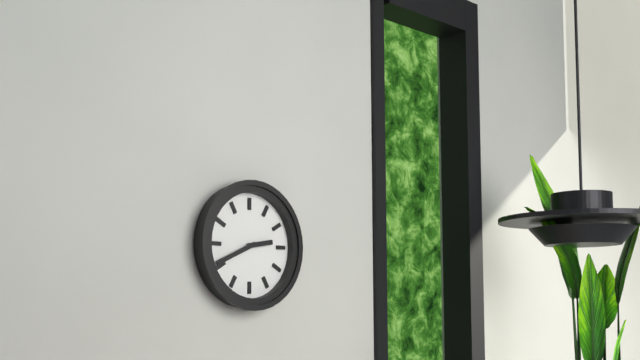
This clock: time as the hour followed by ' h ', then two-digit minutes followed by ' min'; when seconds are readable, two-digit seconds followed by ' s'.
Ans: 2 h 41 min
